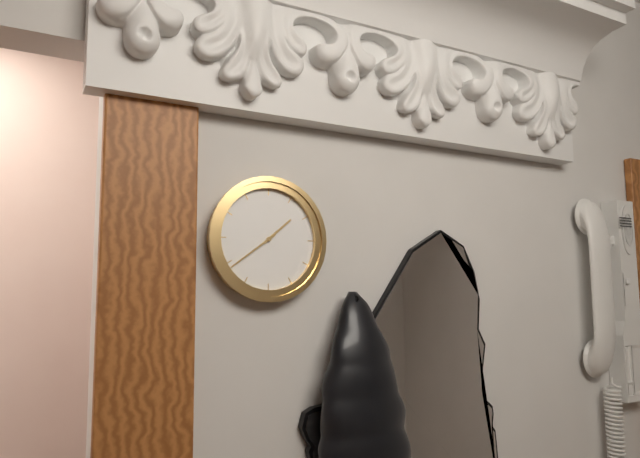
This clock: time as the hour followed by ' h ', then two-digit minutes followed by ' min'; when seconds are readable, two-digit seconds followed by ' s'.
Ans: 1 h 39 min
